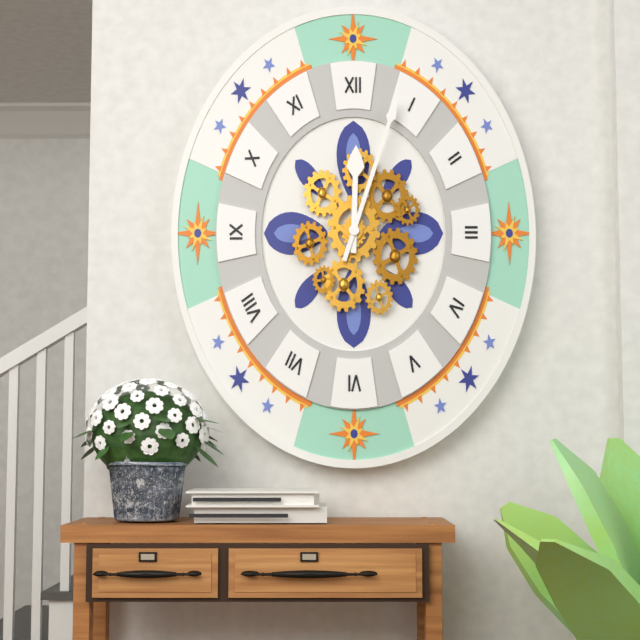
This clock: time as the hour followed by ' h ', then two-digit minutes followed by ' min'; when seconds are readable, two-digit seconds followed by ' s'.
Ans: 12 h 03 min
